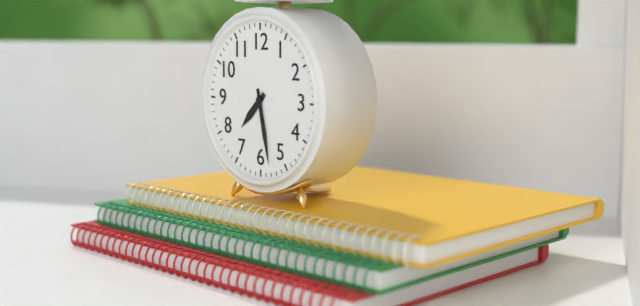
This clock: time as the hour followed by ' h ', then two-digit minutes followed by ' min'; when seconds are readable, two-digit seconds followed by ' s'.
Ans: 7 h 28 min
